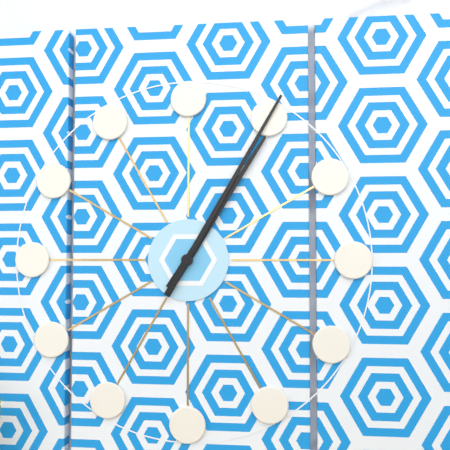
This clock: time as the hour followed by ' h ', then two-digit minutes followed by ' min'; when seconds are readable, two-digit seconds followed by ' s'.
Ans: 1 h 05 min
